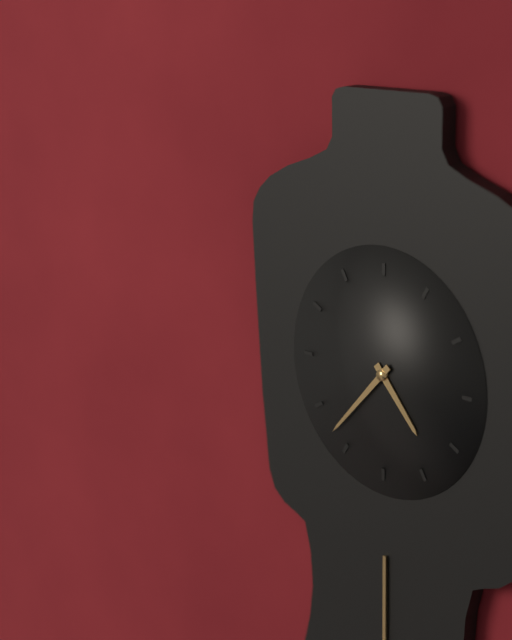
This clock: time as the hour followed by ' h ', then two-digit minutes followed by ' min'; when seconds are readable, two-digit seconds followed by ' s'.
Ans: 4 h 37 min
